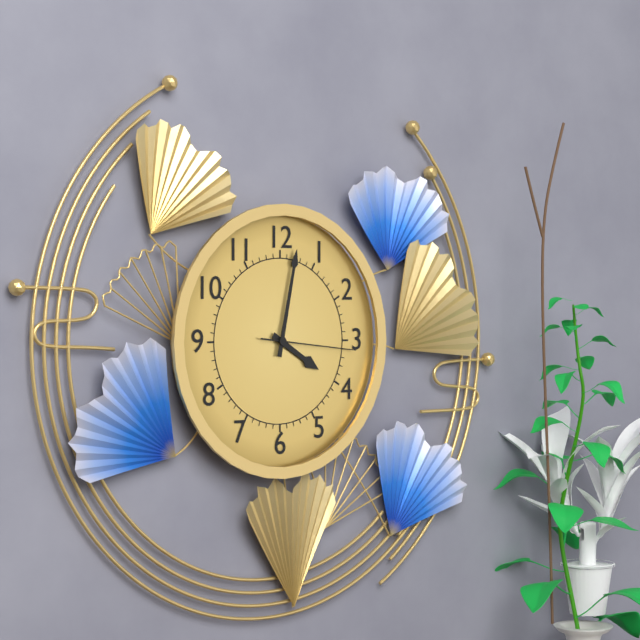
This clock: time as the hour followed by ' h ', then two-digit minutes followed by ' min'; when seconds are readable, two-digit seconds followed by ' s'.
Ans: 4 h 02 min 16 s
